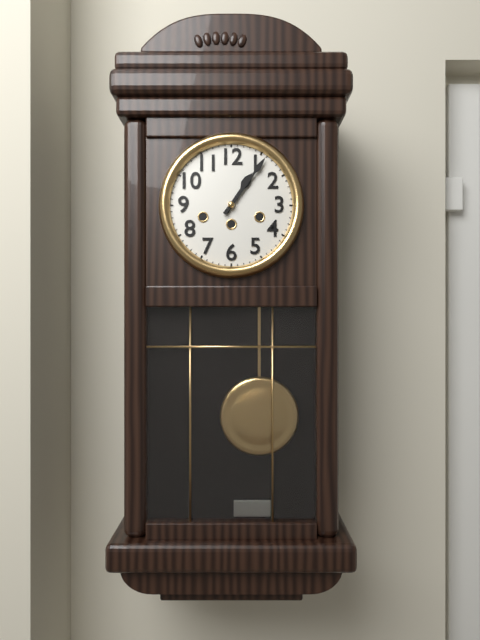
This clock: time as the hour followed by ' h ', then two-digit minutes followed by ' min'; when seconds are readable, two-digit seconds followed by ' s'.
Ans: 1 h 06 min
